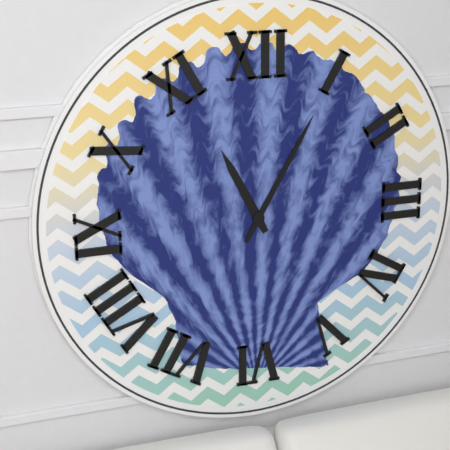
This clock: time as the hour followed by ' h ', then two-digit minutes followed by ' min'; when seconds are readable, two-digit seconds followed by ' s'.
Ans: 11 h 05 min
